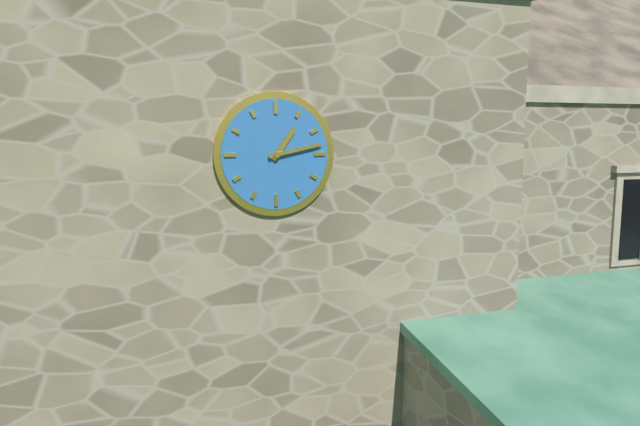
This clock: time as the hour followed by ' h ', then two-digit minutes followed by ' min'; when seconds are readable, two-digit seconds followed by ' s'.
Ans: 1 h 13 min
